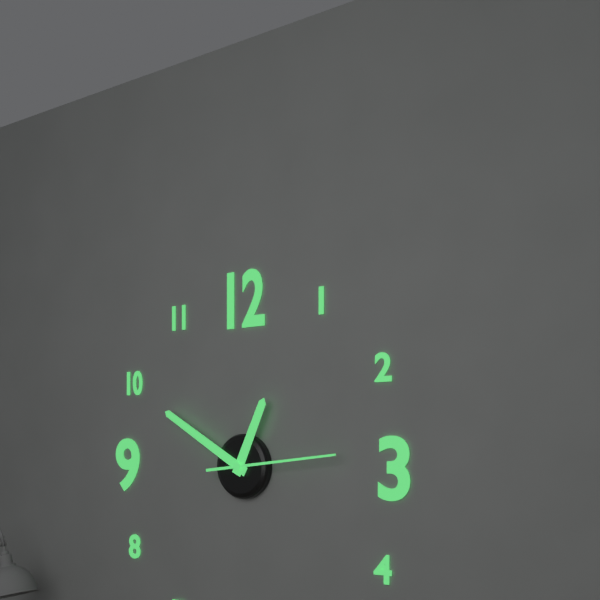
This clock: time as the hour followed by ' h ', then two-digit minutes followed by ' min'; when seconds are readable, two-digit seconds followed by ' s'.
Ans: 12 h 50 min 14 s
